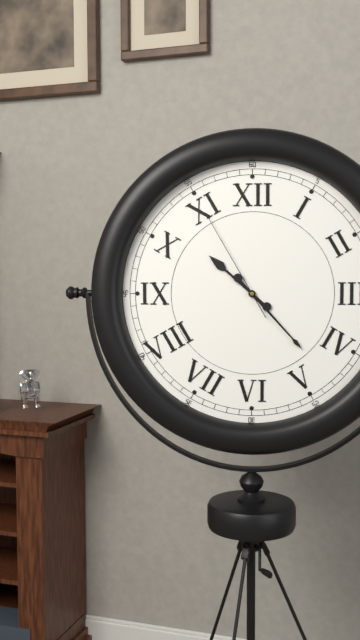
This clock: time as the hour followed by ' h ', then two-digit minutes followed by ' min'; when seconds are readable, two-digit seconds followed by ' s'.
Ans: 10 h 23 min 55 s
